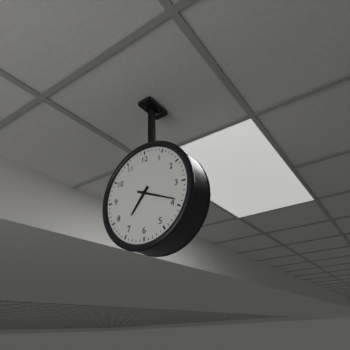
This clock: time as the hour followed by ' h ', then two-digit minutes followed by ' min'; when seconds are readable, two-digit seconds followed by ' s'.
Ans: 7 h 19 min
